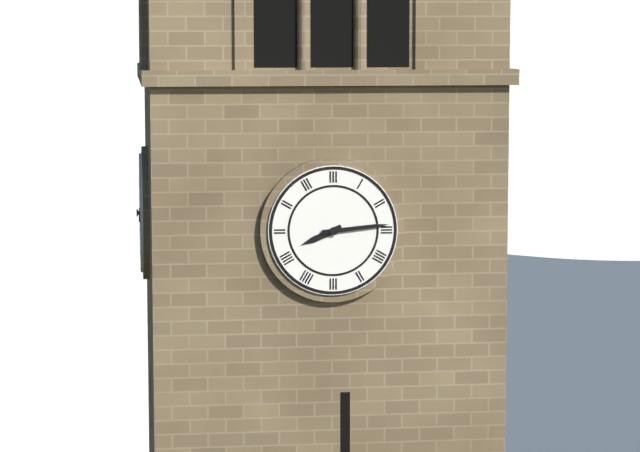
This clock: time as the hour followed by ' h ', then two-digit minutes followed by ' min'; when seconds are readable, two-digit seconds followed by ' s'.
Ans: 8 h 14 min
